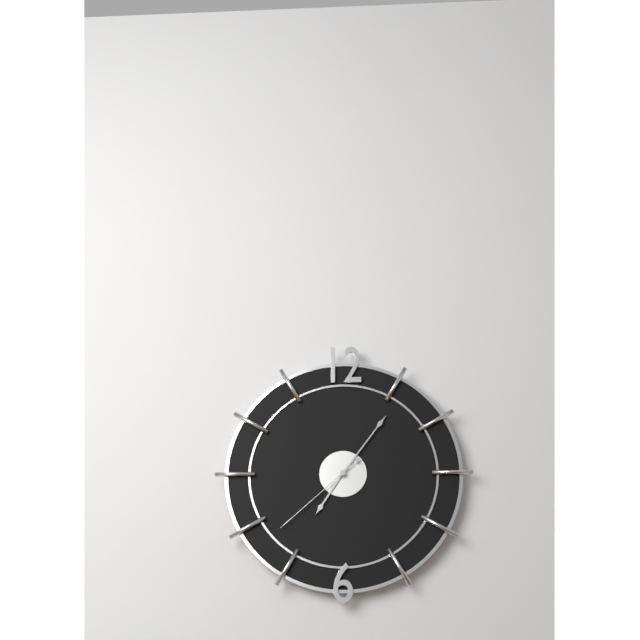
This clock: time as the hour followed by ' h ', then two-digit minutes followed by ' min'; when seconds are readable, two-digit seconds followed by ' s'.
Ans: 7 h 06 min 38 s
